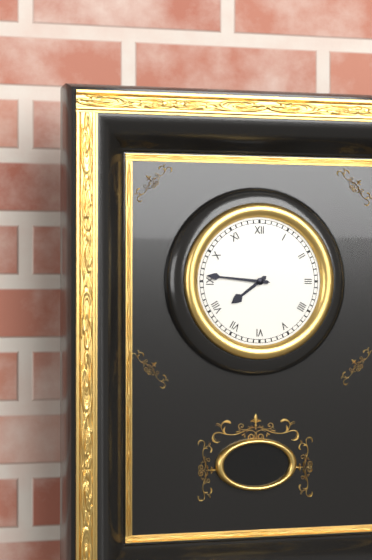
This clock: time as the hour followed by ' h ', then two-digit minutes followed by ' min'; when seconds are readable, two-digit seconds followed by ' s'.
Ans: 7 h 46 min
